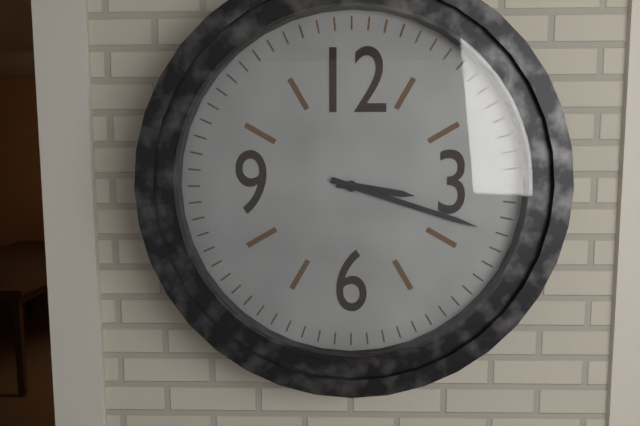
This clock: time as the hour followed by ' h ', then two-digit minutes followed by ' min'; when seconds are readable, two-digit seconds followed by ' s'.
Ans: 3 h 18 min
